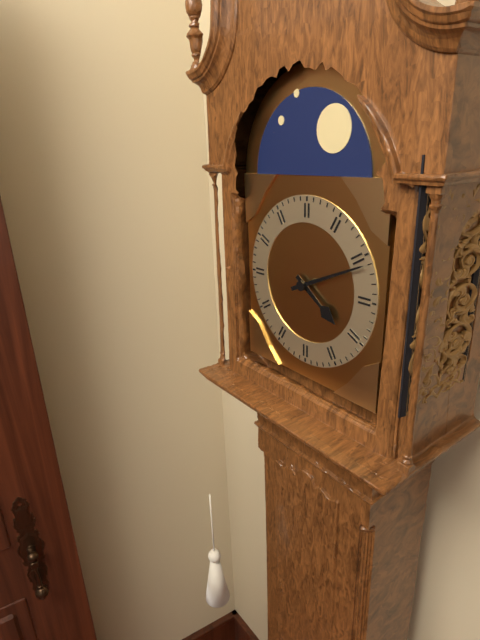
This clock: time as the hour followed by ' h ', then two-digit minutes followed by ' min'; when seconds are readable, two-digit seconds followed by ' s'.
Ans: 4 h 11 min
